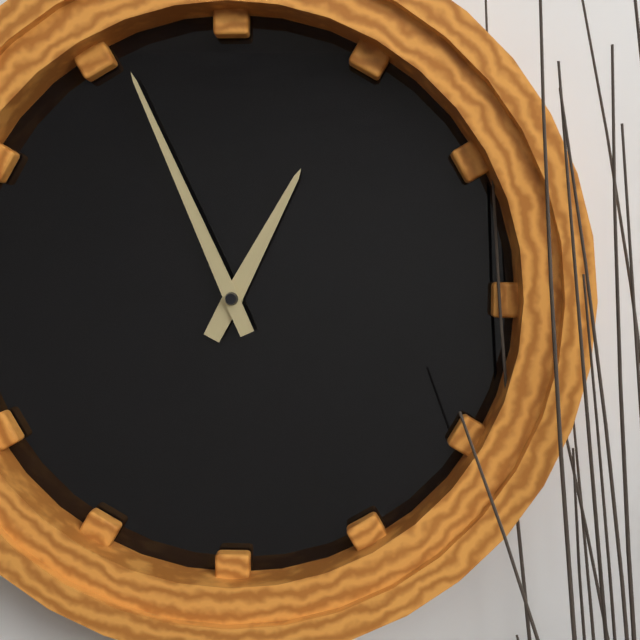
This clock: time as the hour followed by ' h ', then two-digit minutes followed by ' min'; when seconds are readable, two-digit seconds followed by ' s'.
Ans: 12 h 56 min
